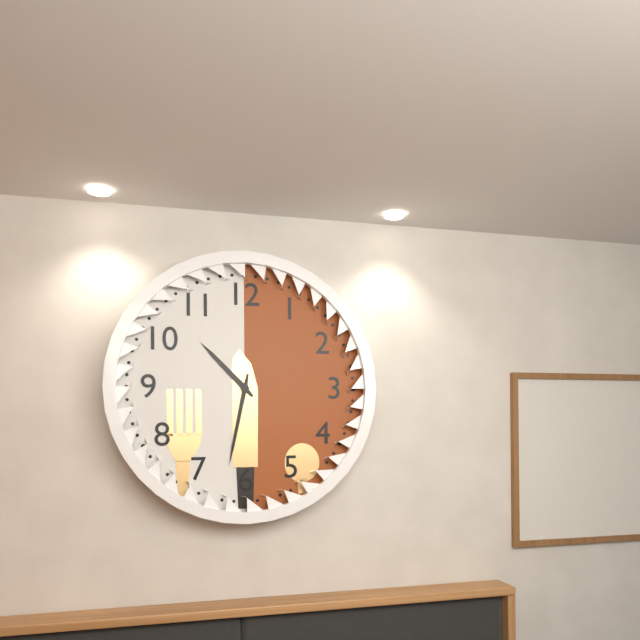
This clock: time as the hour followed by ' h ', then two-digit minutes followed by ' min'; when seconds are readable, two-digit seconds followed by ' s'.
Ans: 10 h 32 min
